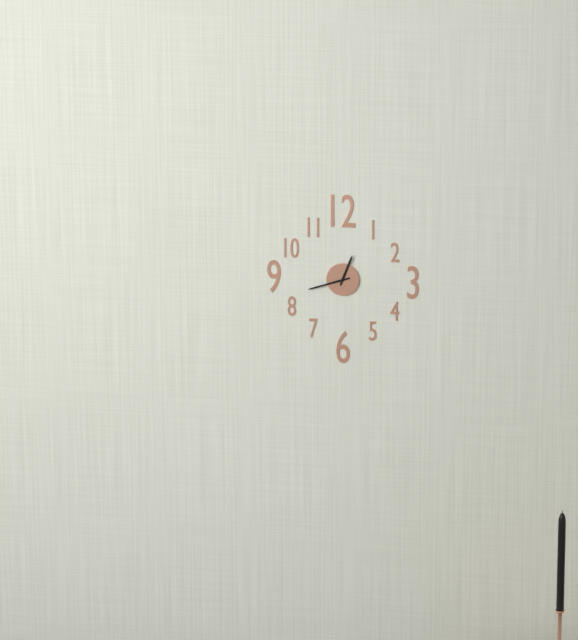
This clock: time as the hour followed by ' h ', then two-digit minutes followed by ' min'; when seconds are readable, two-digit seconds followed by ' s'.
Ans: 12 h 42 min
